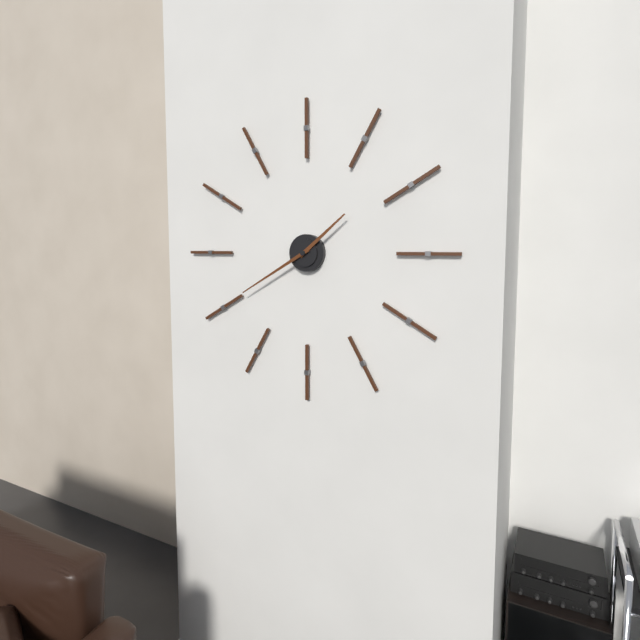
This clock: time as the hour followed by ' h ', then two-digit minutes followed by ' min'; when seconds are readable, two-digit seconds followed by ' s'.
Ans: 1 h 40 min
